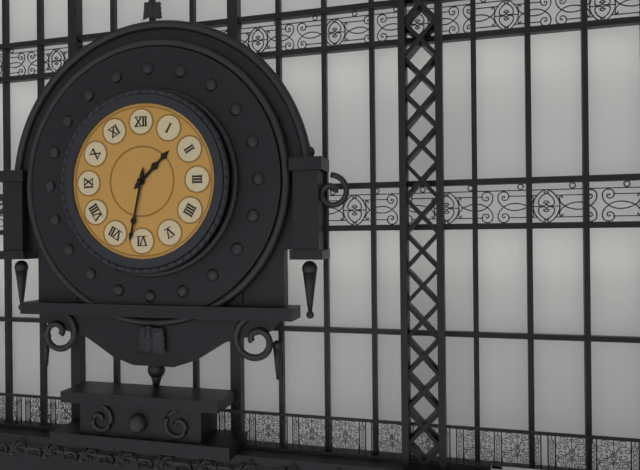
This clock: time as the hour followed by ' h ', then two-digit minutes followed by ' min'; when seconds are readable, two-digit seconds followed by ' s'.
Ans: 1 h 32 min
